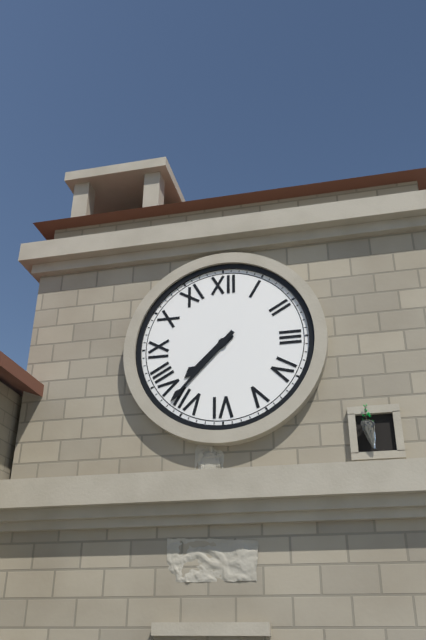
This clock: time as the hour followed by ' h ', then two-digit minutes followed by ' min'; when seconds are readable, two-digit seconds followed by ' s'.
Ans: 7 h 37 min
